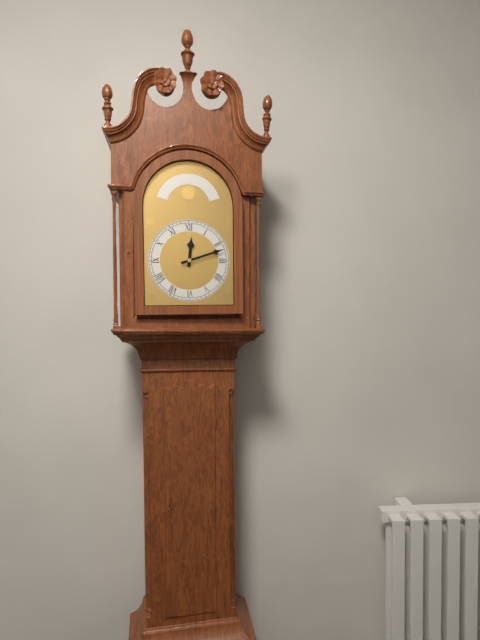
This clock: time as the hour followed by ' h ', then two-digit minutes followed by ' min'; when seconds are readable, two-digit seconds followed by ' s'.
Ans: 12 h 12 min
